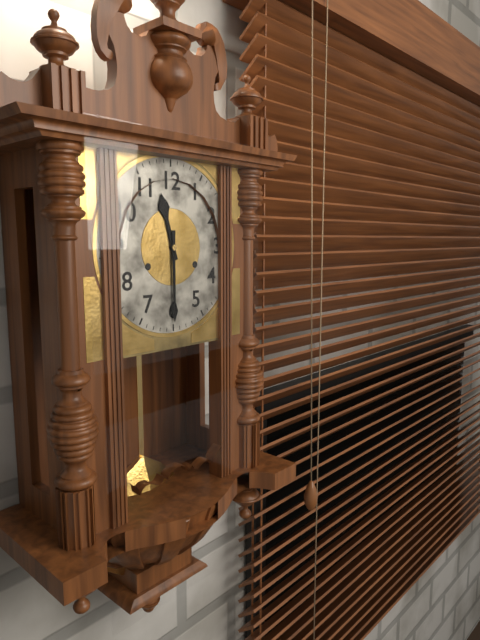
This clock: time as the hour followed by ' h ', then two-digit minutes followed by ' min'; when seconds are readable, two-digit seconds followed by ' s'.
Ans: 11 h 30 min
